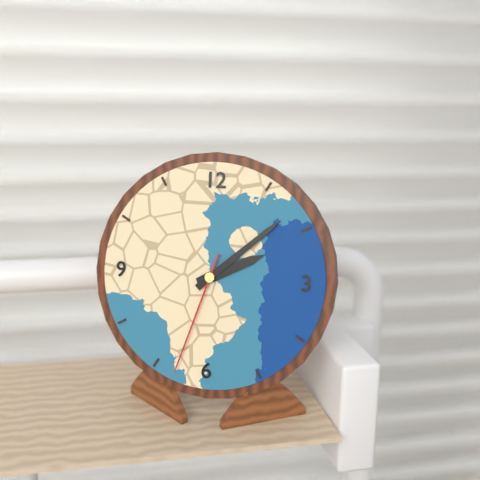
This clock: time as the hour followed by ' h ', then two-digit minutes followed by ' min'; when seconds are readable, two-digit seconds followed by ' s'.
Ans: 2 h 08 min 33 s
